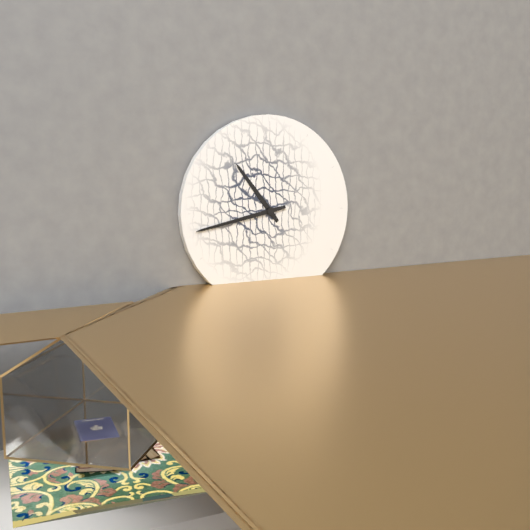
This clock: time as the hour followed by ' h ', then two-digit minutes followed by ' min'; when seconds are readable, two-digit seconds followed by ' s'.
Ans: 10 h 43 min
